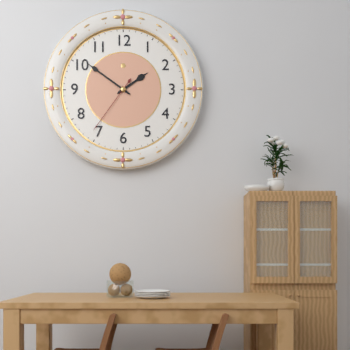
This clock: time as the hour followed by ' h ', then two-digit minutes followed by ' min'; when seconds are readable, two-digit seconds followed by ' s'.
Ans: 1 h 51 min 36 s
